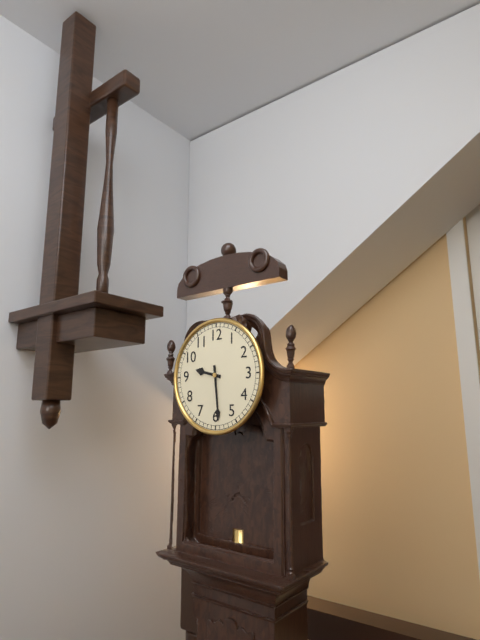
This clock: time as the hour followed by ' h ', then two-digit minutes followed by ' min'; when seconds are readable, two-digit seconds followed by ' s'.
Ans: 9 h 29 min
